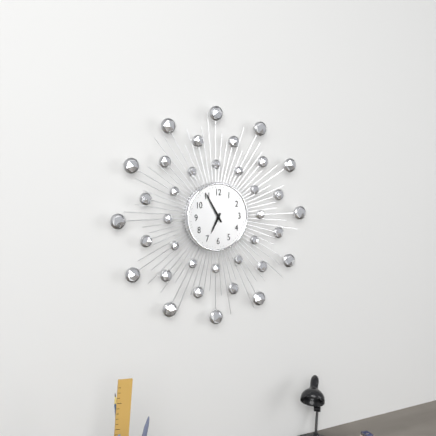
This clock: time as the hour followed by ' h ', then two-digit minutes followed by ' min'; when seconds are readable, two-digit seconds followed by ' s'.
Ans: 6 h 55 min
